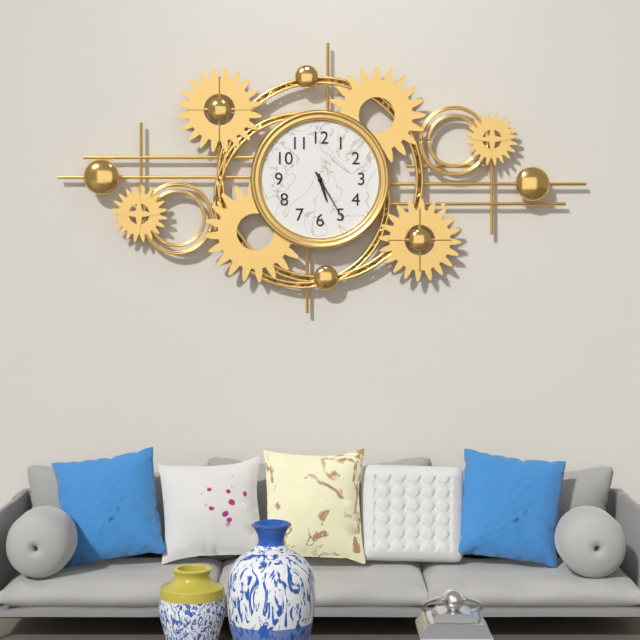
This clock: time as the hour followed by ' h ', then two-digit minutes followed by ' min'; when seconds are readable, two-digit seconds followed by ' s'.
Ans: 5 h 25 min
